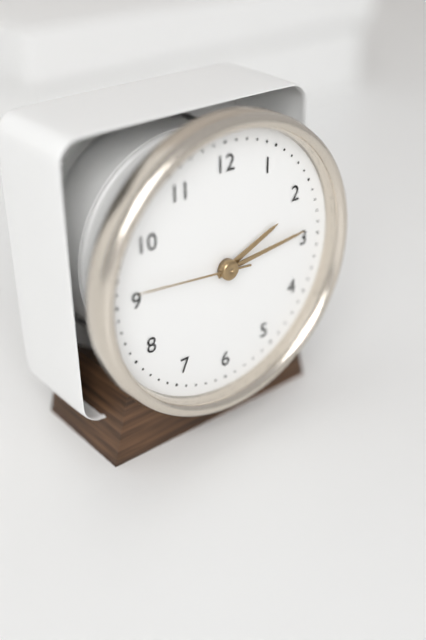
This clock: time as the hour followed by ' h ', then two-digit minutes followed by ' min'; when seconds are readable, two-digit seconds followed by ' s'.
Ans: 2 h 14 min 46 s
